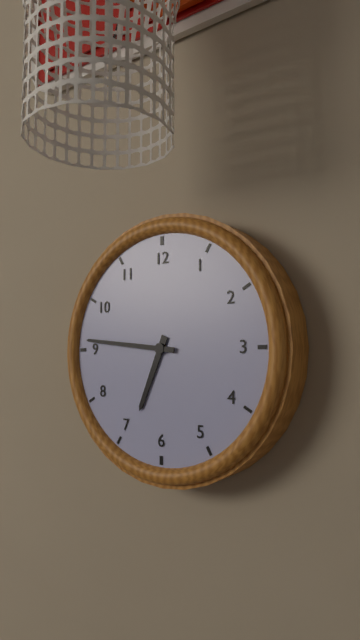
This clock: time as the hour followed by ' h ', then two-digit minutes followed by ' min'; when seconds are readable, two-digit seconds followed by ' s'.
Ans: 6 h 46 min
